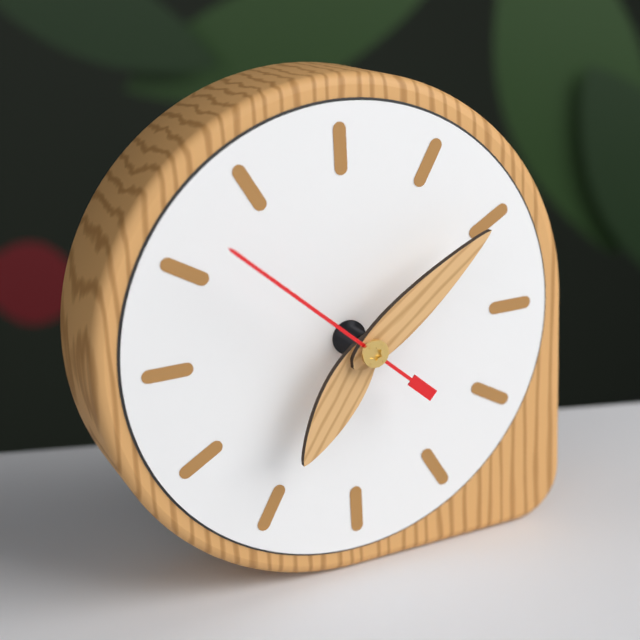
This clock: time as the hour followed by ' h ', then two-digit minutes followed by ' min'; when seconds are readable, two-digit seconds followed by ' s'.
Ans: 7 h 09 min 52 s
